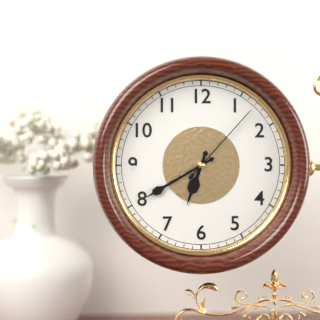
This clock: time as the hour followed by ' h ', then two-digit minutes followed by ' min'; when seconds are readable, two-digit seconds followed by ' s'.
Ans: 6 h 40 min 07 s
